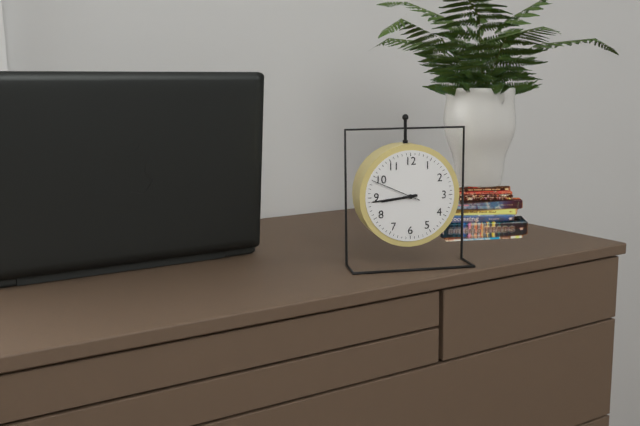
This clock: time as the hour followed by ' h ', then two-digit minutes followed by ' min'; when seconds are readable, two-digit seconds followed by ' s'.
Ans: 8 h 44 min
